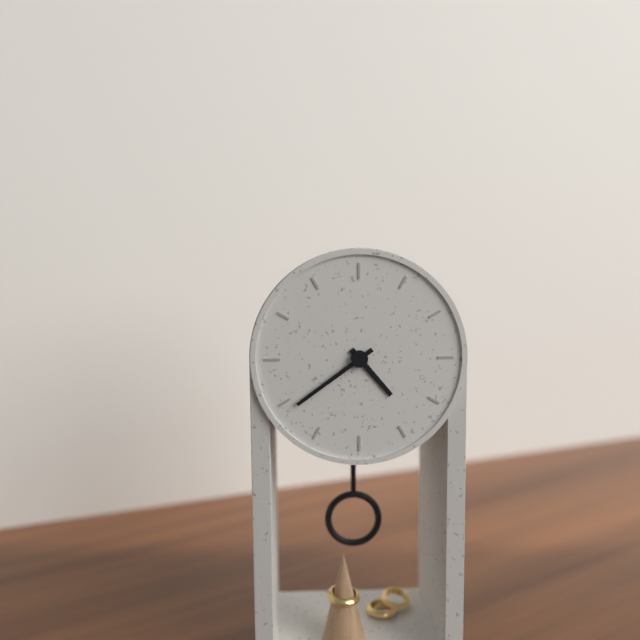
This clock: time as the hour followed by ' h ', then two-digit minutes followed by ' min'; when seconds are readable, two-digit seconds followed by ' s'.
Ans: 4 h 39 min
